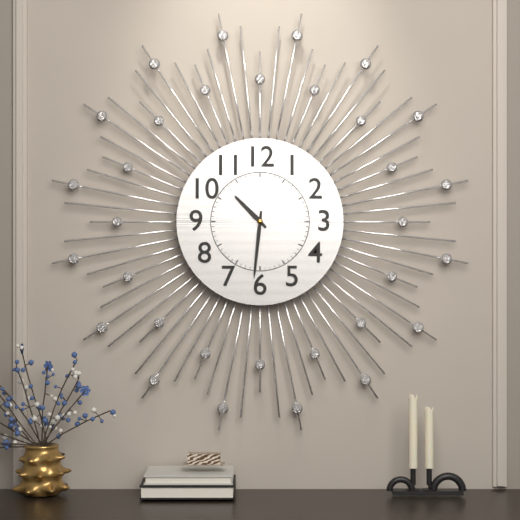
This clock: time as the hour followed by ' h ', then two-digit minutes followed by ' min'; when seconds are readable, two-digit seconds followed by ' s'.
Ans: 10 h 31 min
